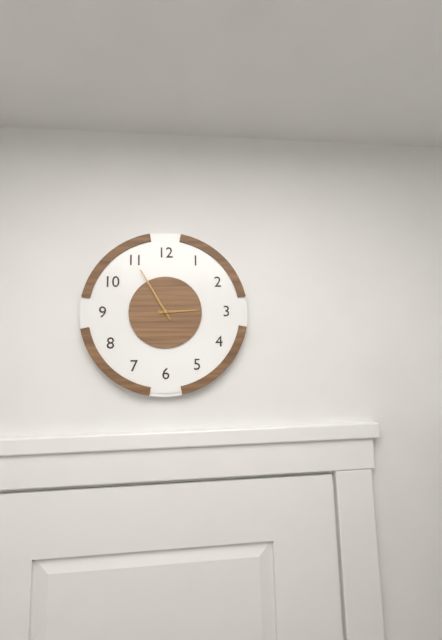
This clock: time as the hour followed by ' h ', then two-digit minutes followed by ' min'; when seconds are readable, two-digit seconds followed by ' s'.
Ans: 2 h 55 min
